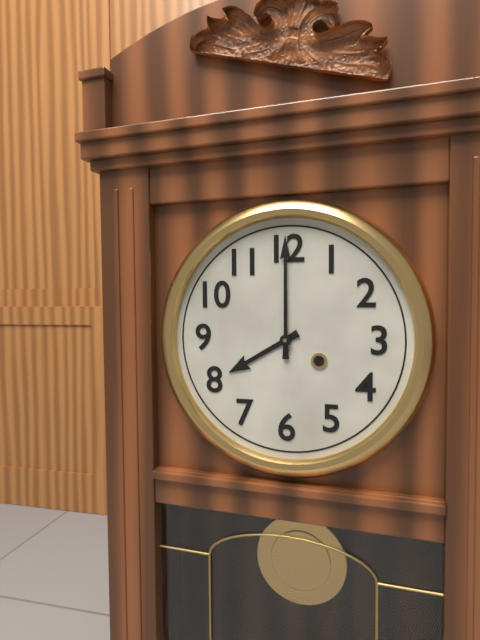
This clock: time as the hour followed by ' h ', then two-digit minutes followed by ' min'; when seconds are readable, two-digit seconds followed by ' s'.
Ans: 8 h 00 min
